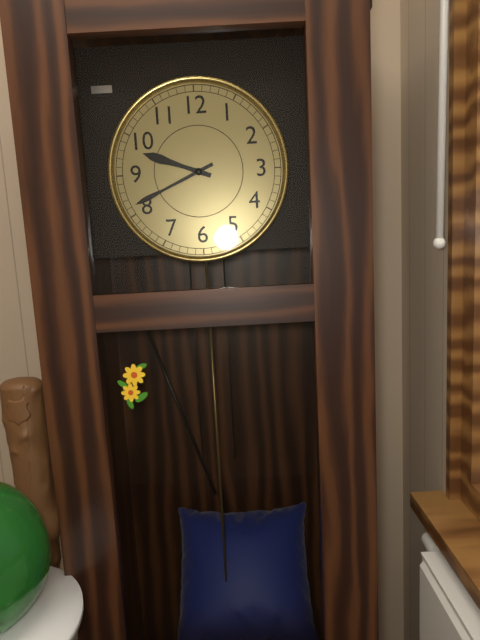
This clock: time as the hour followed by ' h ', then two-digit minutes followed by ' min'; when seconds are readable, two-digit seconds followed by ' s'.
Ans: 9 h 41 min
